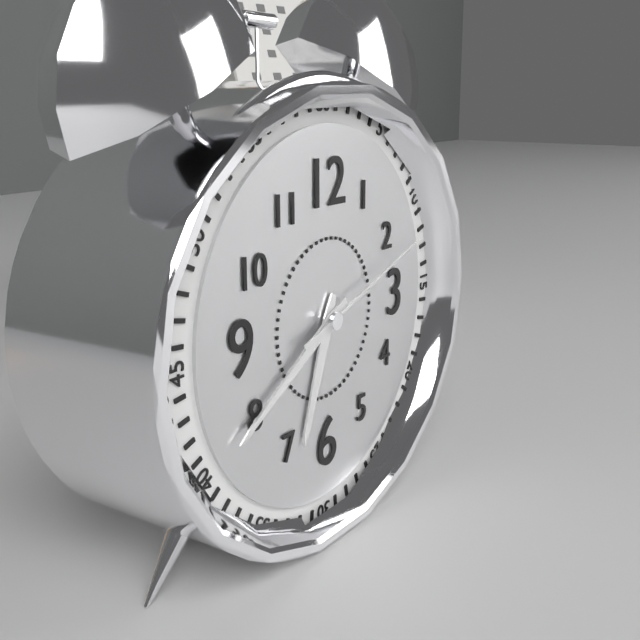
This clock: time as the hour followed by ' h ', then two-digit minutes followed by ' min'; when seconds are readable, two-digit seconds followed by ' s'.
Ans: 6 h 40 min 12 s
